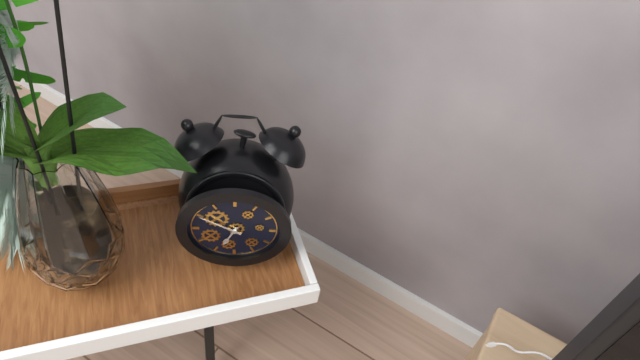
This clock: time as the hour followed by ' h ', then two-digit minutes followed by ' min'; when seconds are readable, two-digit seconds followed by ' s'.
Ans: 6 h 50 min
